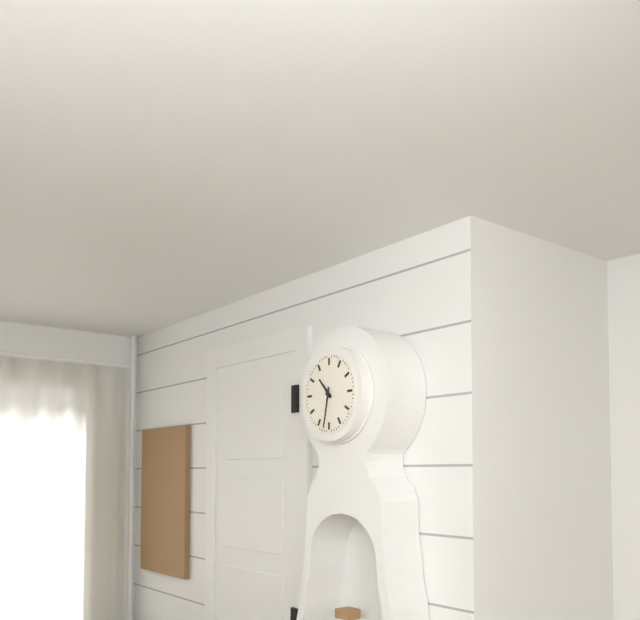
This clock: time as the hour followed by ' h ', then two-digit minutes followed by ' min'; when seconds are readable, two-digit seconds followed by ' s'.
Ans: 10 h 32 min
